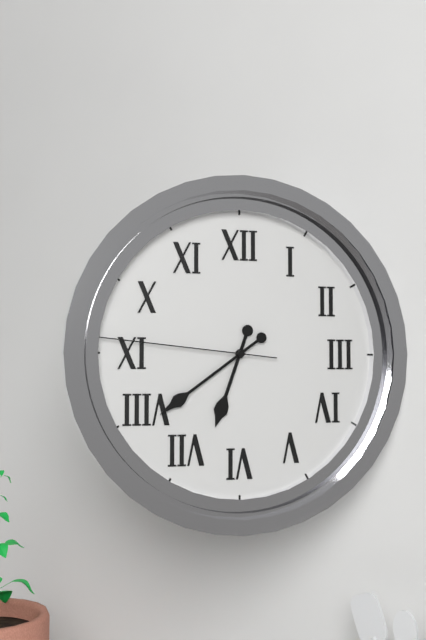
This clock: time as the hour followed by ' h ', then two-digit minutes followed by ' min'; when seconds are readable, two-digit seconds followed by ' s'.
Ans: 6 h 39 min 46 s
